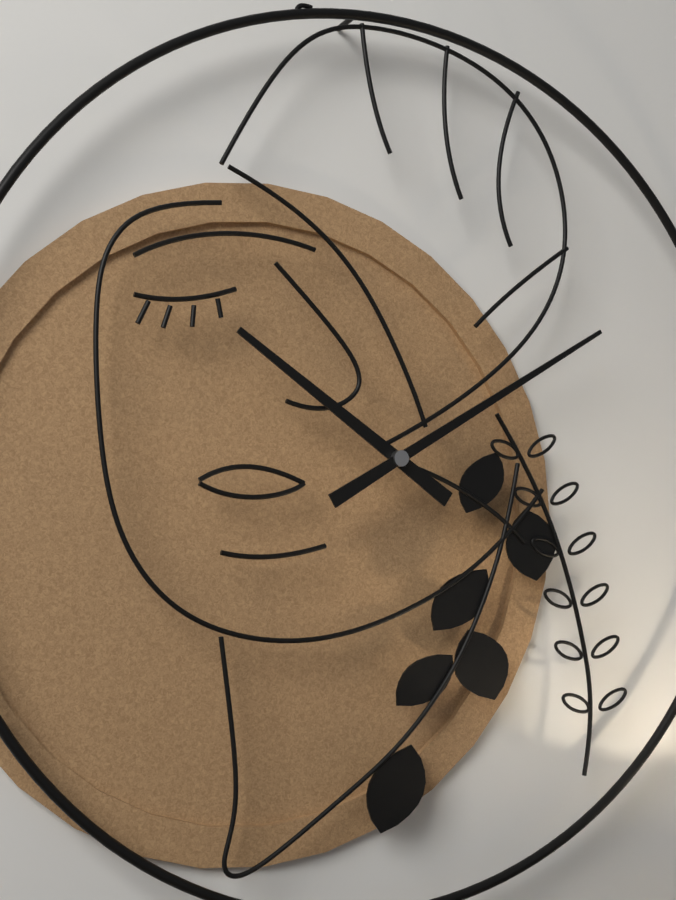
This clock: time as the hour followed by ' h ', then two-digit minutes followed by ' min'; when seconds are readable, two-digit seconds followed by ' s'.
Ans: 10 h 10 min
